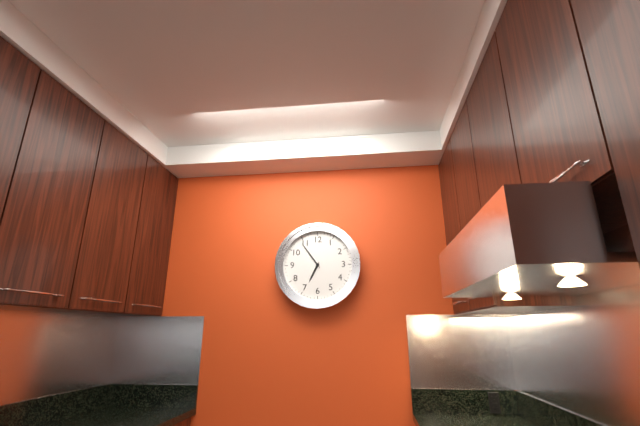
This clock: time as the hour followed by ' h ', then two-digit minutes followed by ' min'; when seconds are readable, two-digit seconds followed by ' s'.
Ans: 6 h 54 min
